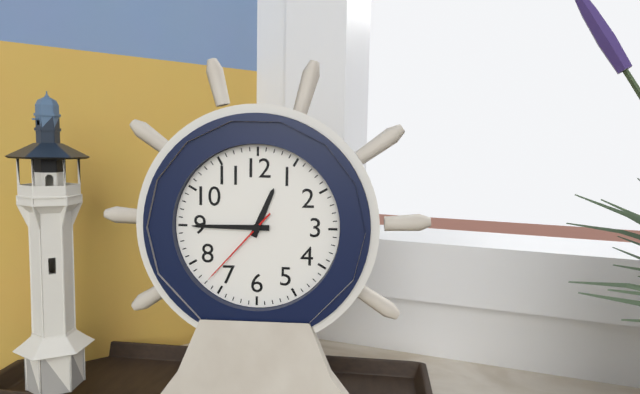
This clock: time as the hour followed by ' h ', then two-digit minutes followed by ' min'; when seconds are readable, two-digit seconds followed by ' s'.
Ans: 12 h 45 min 37 s
